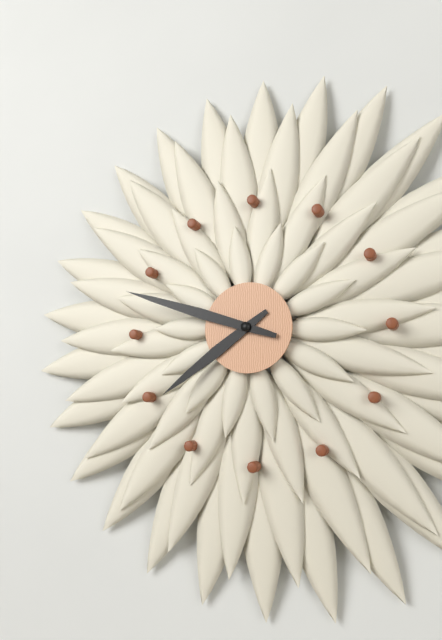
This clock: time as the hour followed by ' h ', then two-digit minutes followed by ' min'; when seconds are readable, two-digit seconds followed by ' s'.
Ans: 7 h 48 min
